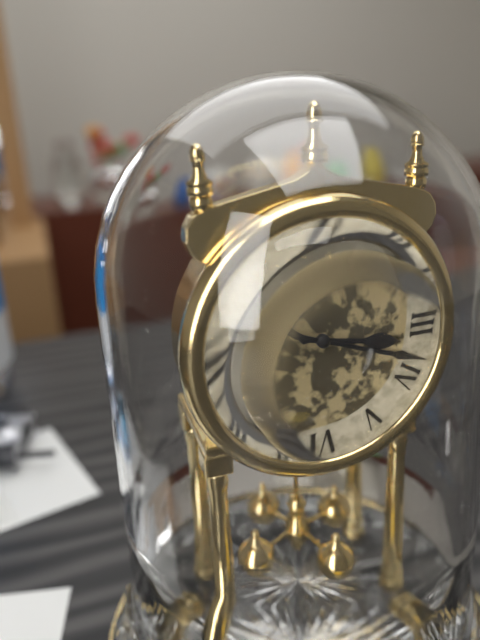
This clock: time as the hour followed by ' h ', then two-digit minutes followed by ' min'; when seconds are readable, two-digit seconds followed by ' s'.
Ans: 3 h 18 min
